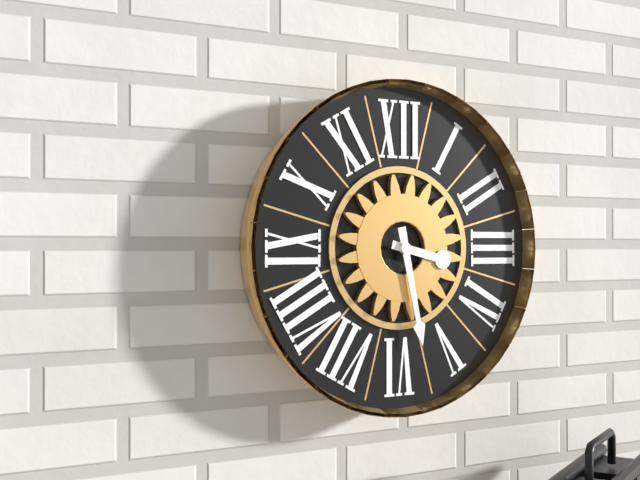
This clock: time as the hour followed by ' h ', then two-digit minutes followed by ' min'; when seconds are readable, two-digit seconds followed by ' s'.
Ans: 3 h 28 min
